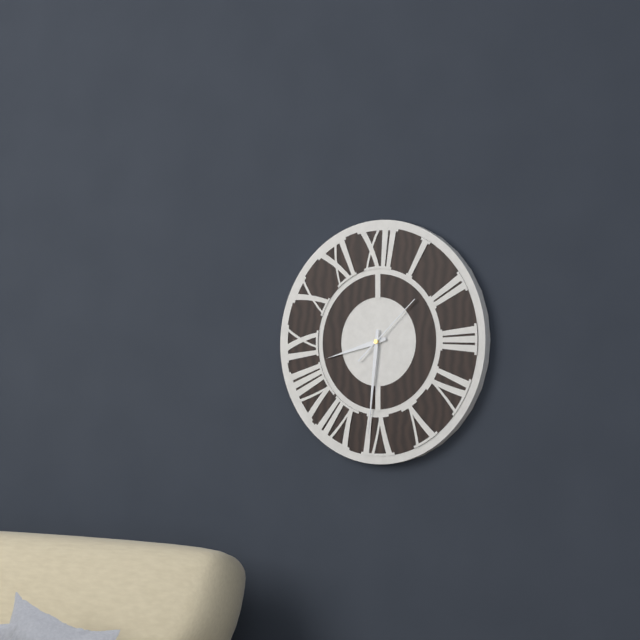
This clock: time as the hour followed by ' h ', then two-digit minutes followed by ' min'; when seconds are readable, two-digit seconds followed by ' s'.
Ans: 8 h 31 min 08 s
